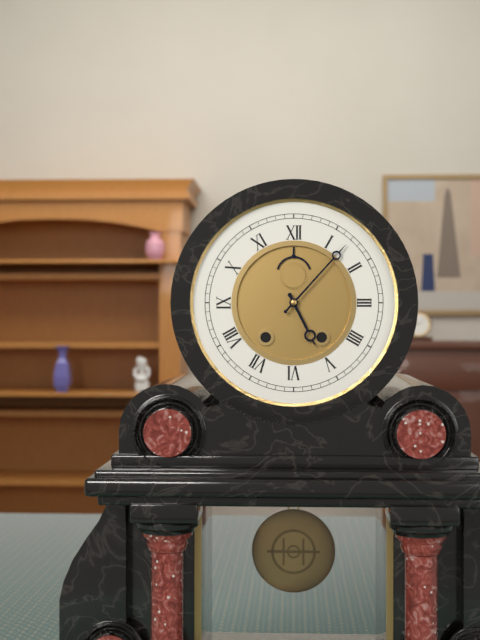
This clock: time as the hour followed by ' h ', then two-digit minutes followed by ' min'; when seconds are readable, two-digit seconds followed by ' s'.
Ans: 5 h 07 min
